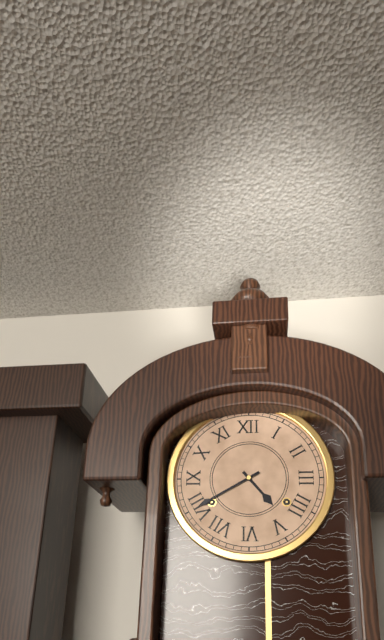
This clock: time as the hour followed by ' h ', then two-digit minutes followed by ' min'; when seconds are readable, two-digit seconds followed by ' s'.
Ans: 4 h 40 min
